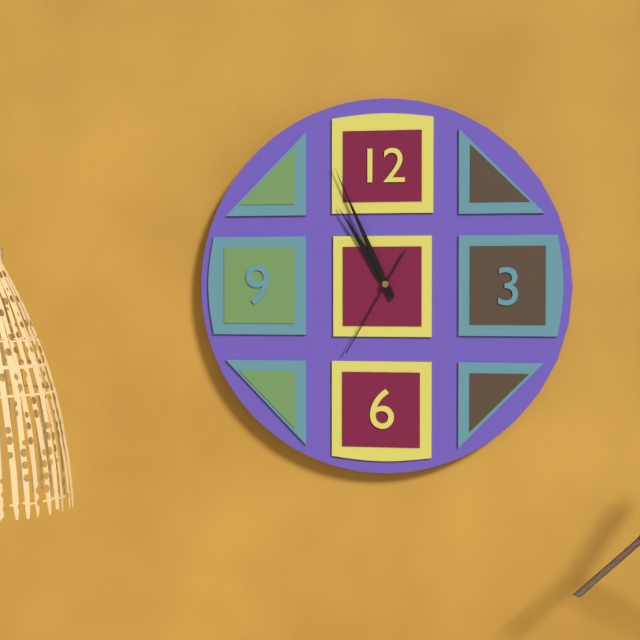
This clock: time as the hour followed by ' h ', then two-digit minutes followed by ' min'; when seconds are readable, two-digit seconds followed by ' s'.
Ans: 10 h 56 min 35 s
